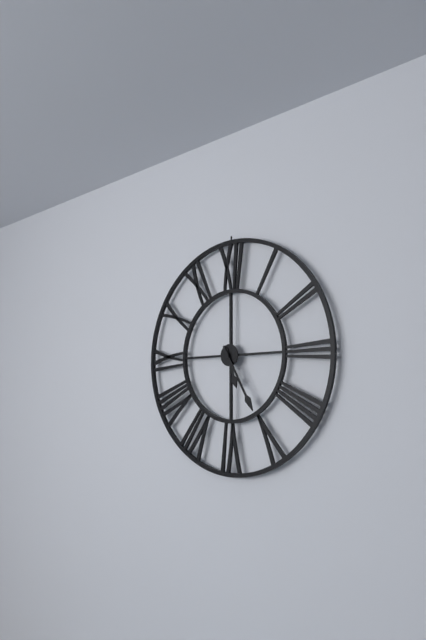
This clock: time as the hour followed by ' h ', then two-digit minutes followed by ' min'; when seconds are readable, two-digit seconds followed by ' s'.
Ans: 5 h 25 min
